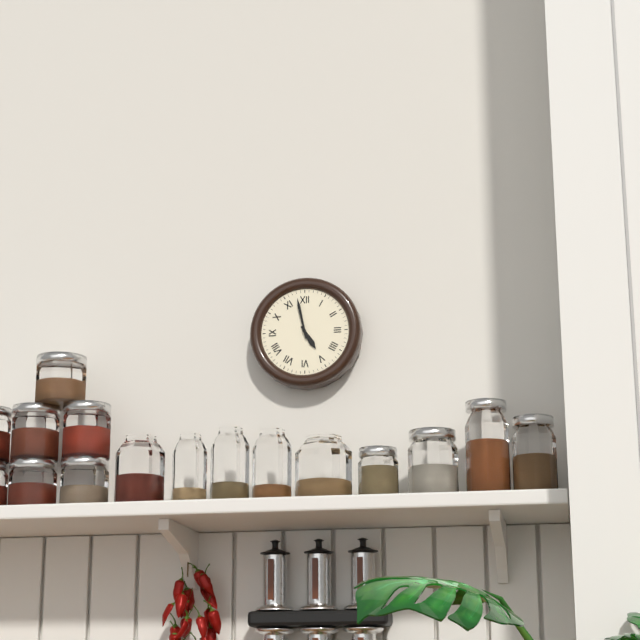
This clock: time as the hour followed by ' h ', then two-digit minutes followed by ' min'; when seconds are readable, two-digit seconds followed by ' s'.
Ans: 4 h 58 min
